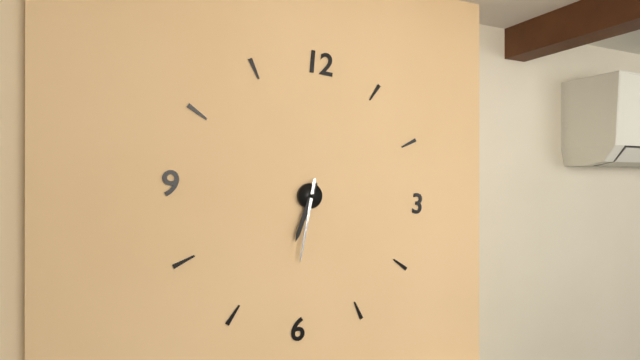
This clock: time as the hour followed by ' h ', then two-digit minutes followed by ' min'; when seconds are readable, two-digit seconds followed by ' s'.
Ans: 6 h 31 min
